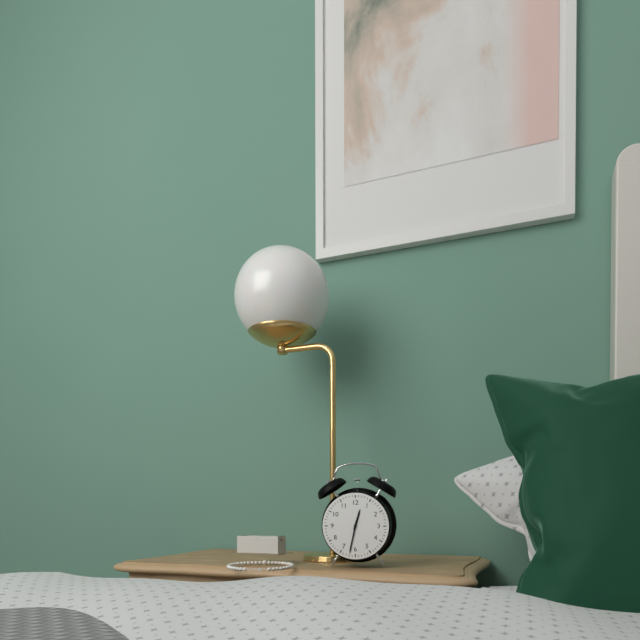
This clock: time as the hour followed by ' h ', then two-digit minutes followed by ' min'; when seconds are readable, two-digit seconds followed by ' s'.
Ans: 12 h 32 min
